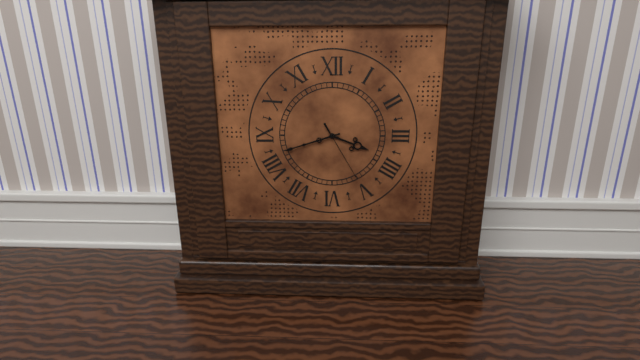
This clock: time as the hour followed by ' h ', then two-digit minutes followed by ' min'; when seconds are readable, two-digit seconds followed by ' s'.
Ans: 3 h 42 min 25 s
